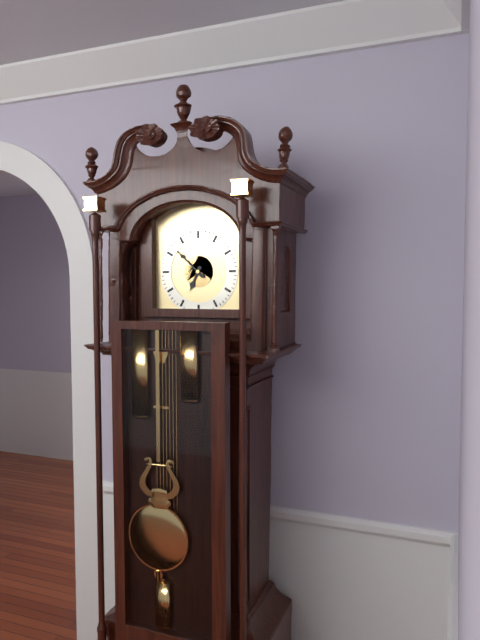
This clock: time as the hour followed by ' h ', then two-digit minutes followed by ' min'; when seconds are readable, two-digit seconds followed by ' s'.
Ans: 6 h 52 min
